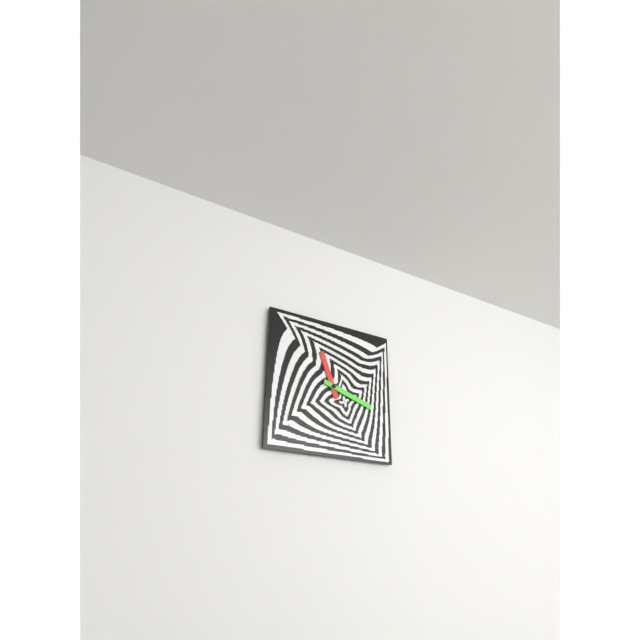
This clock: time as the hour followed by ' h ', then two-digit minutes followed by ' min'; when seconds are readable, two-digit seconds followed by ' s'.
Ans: 11 h 18 min
